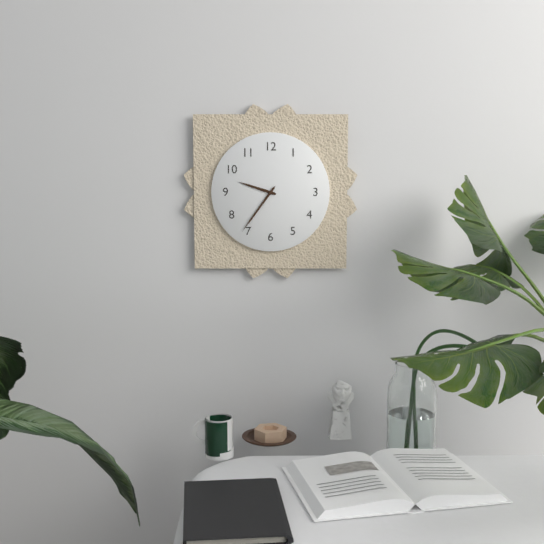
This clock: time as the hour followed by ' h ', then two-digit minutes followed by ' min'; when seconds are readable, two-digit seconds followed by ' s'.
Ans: 9 h 36 min
